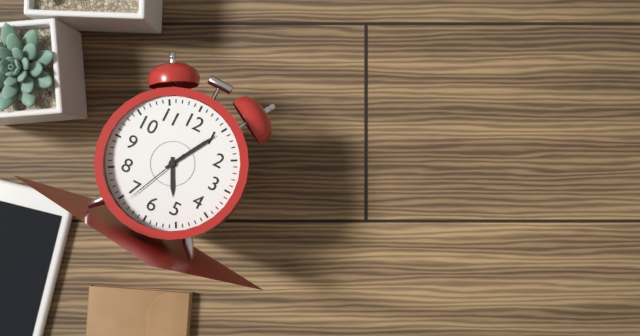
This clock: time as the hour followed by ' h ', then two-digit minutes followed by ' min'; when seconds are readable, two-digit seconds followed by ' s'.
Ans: 5 h 05 min 34 s
